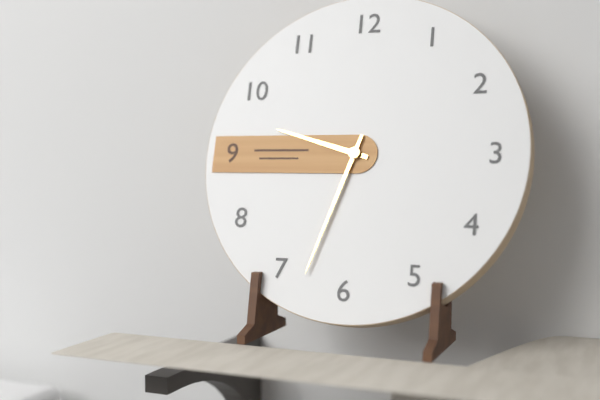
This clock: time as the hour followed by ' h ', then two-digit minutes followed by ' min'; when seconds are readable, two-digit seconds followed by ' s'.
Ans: 9 h 33 min
